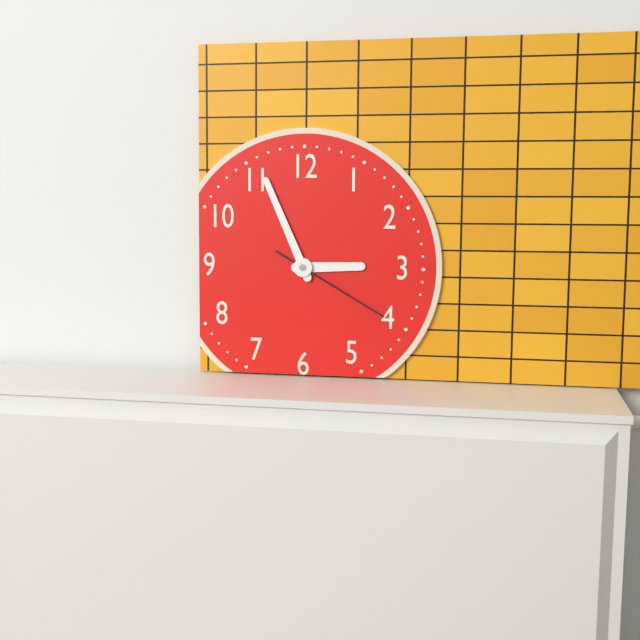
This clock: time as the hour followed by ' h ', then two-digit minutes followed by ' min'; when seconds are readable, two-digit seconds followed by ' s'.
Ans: 2 h 56 min 20 s
